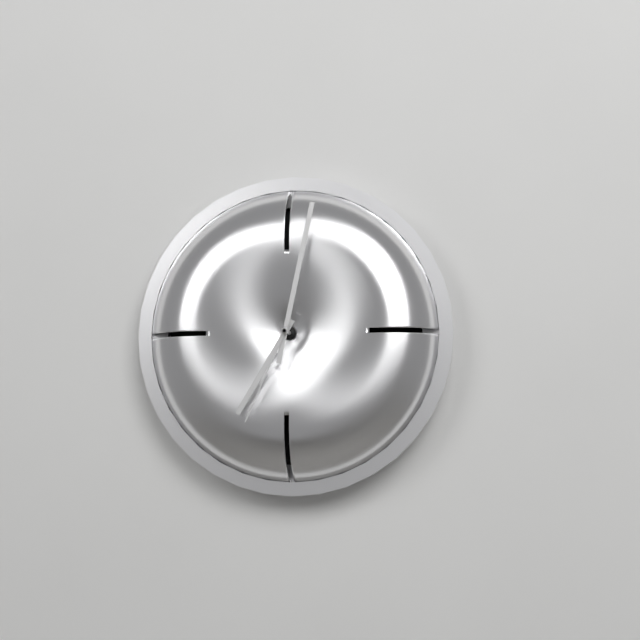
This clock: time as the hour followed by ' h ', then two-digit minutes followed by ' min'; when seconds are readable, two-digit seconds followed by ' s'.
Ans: 7 h 02 min 34 s
